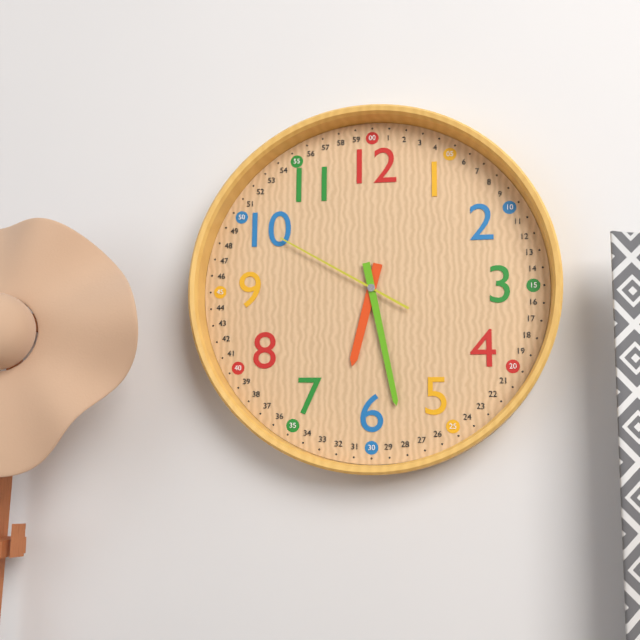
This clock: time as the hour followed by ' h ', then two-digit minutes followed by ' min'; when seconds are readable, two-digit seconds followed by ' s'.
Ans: 6 h 28 min 50 s
